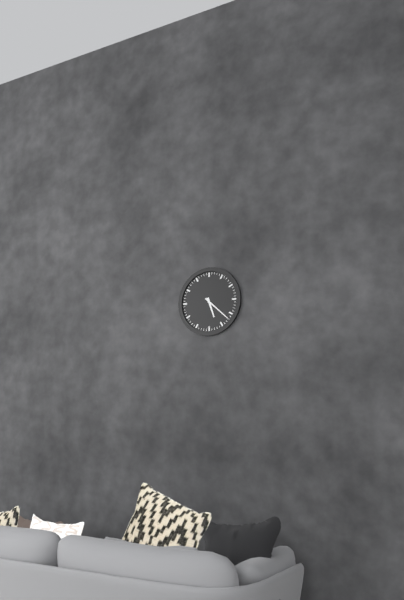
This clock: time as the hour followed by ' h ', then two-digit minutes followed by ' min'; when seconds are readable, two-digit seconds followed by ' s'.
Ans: 5 h 22 min
